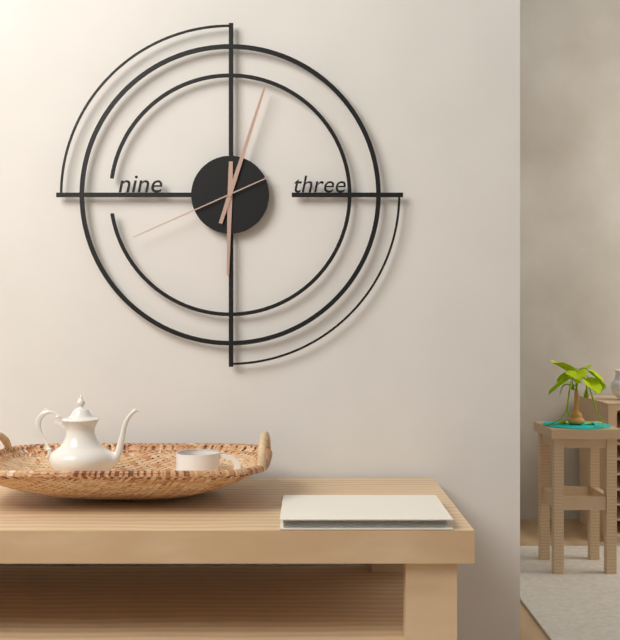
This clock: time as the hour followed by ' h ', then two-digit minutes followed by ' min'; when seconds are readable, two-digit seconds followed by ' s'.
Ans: 6 h 03 min 41 s
